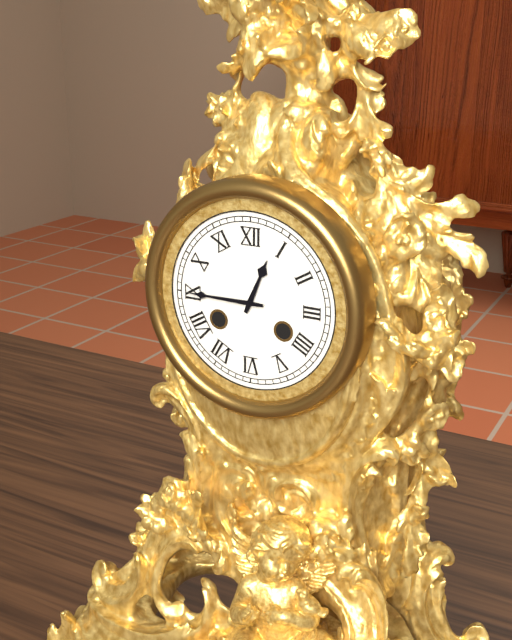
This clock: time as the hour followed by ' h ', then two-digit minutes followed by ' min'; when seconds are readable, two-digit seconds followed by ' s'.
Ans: 12 h 45 min
